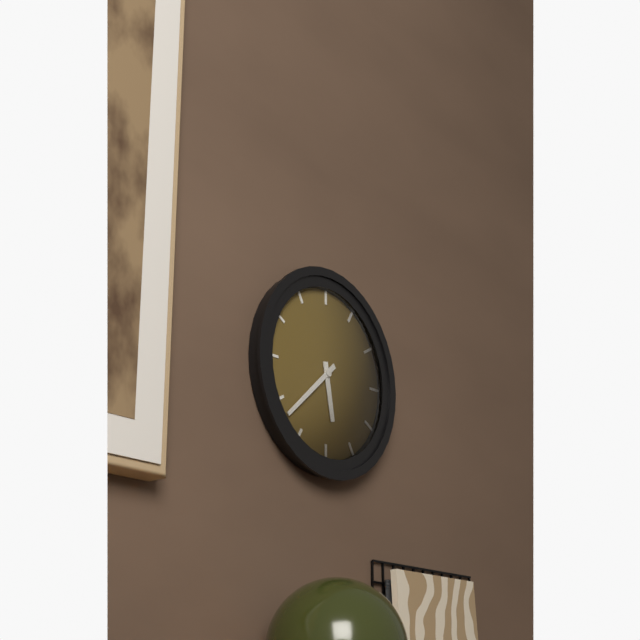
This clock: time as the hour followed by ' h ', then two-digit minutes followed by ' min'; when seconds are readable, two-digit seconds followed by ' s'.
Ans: 5 h 38 min
